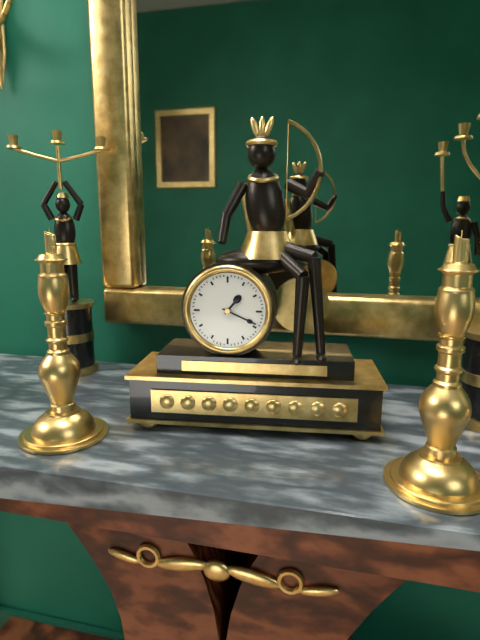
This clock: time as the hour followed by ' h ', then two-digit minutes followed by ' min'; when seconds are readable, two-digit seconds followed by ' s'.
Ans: 1 h 19 min
